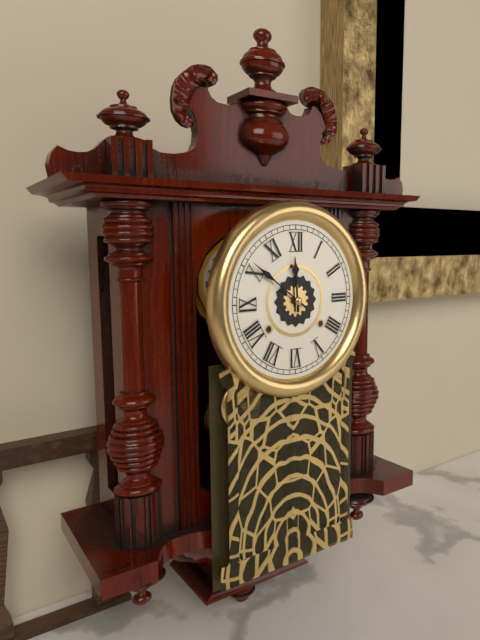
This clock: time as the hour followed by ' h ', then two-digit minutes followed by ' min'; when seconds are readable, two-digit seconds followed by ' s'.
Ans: 11 h 51 min
